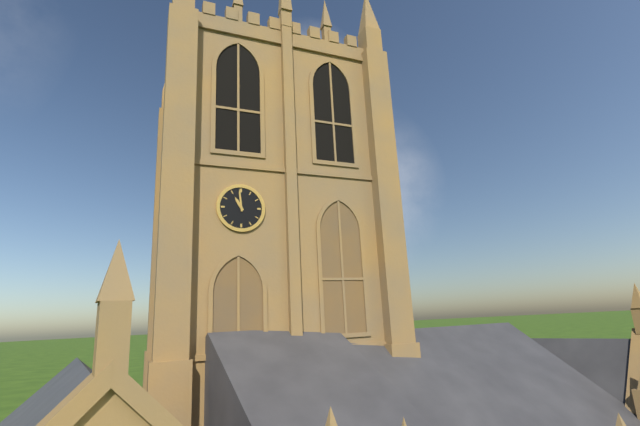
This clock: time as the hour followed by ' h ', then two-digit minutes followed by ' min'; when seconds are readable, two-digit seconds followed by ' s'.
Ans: 10 h 59 min
